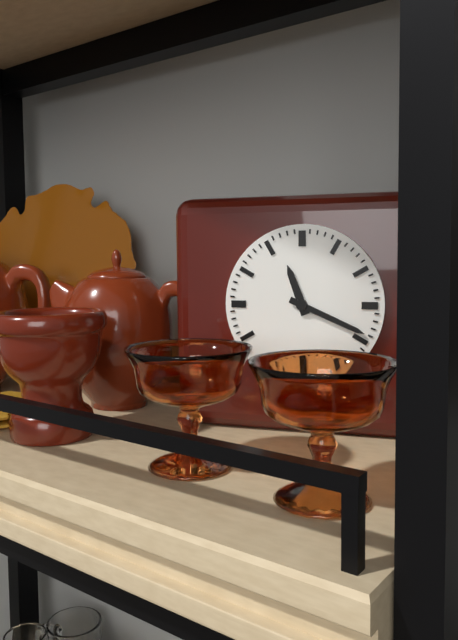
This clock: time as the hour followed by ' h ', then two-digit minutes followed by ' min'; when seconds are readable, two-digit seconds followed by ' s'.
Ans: 11 h 19 min
